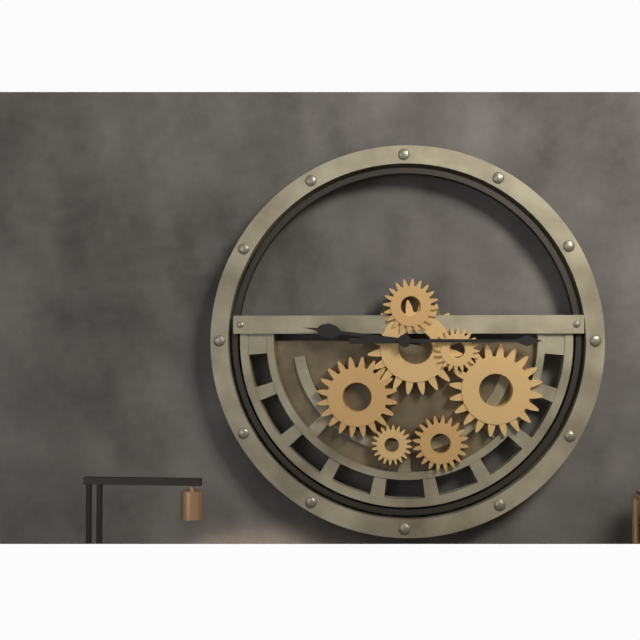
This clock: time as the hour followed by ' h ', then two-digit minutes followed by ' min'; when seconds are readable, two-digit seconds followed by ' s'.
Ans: 9 h 15 min
